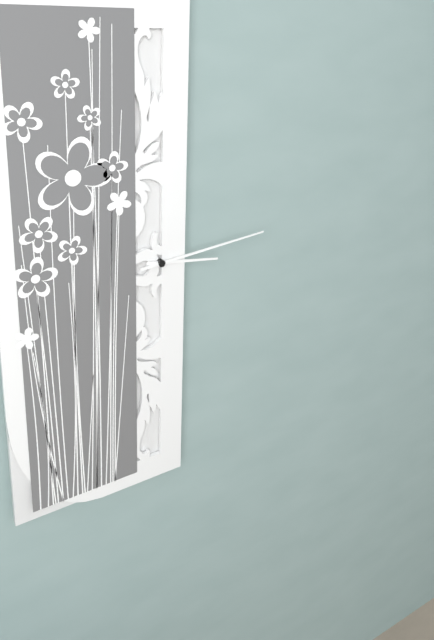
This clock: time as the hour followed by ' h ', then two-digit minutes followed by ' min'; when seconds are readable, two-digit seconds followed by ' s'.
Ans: 3 h 14 min
